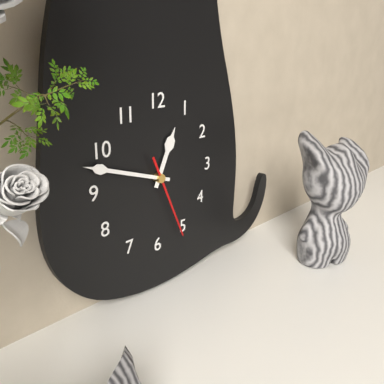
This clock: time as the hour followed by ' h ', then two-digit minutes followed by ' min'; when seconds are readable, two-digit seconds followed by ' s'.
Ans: 12 h 48 min 26 s
